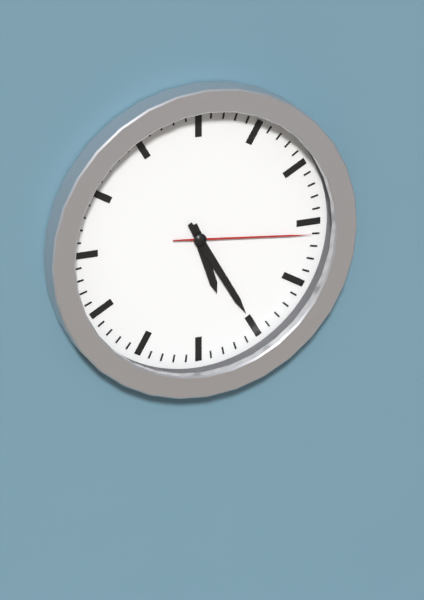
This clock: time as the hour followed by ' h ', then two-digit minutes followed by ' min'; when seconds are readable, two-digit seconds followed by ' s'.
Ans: 5 h 25 min 16 s
